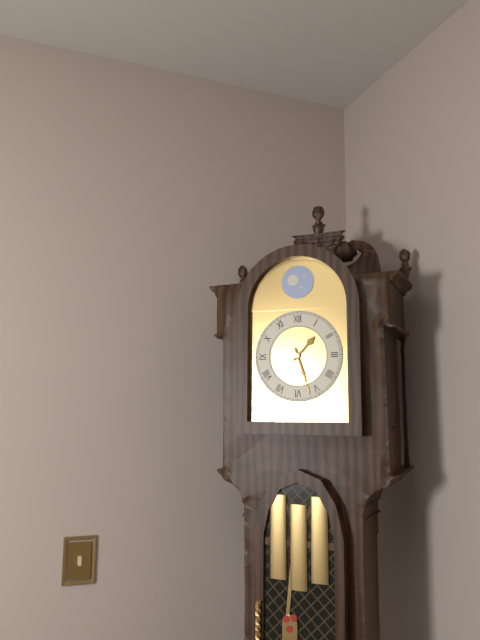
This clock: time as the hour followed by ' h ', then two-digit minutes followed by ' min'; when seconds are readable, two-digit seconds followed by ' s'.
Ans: 1 h 27 min
